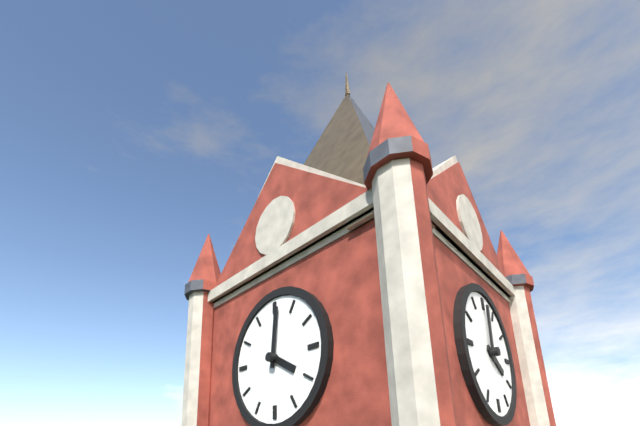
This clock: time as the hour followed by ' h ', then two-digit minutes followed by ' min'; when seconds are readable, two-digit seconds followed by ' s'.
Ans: 4 h 01 min
